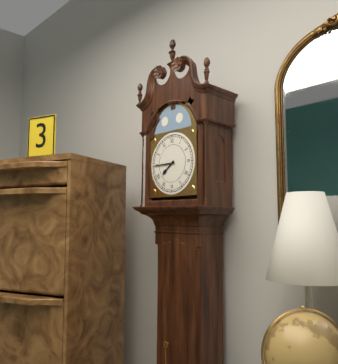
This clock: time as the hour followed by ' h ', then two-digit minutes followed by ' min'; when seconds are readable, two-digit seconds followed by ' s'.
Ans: 7 h 45 min
